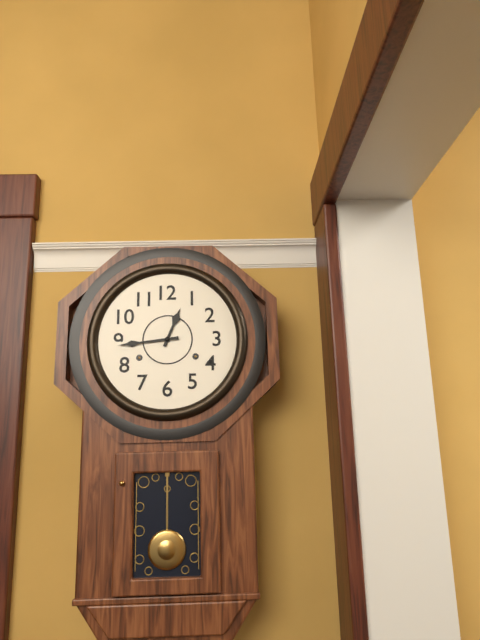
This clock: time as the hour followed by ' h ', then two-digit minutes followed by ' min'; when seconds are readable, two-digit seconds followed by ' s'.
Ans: 12 h 44 min
